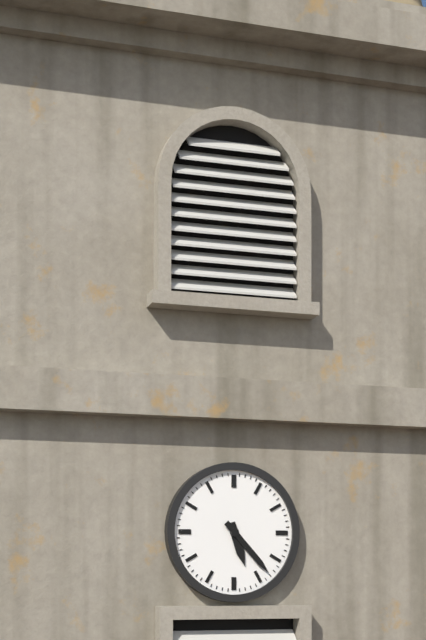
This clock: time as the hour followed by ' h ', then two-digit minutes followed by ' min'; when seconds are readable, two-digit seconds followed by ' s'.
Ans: 5 h 23 min
